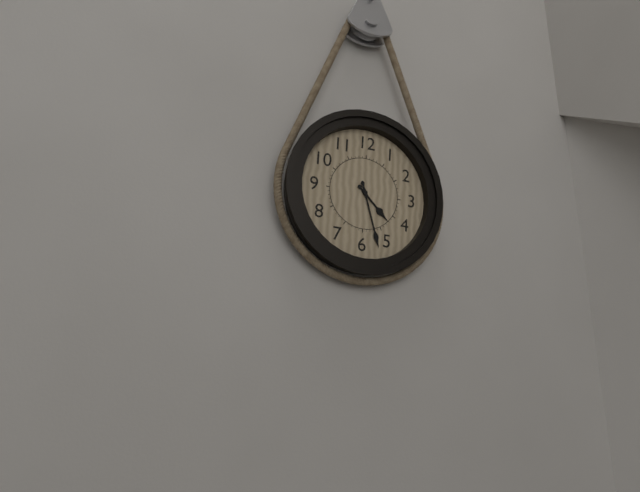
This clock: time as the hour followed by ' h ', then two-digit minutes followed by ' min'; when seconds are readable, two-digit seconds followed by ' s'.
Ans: 4 h 27 min
